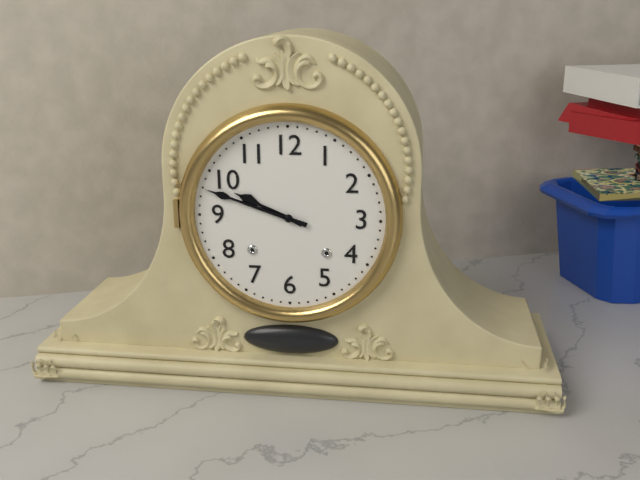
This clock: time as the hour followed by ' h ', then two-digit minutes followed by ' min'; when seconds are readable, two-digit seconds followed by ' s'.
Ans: 9 h 48 min
